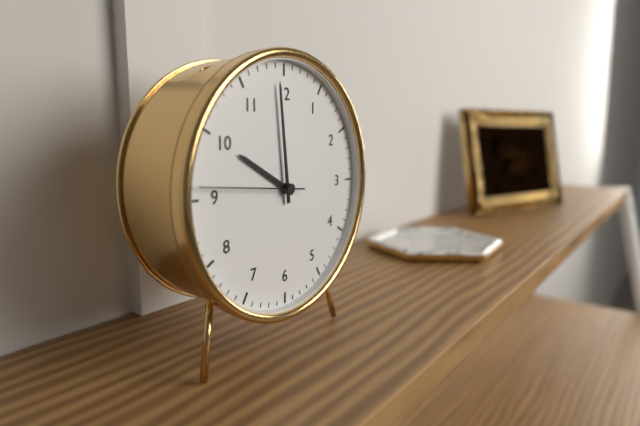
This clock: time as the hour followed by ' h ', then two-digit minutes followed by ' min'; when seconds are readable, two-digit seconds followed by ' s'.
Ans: 9 h 59 min 46 s
